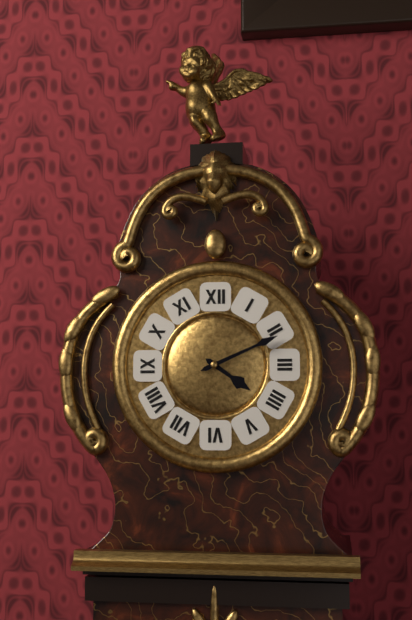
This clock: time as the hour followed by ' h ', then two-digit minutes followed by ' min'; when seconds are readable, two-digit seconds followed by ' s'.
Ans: 4 h 11 min
